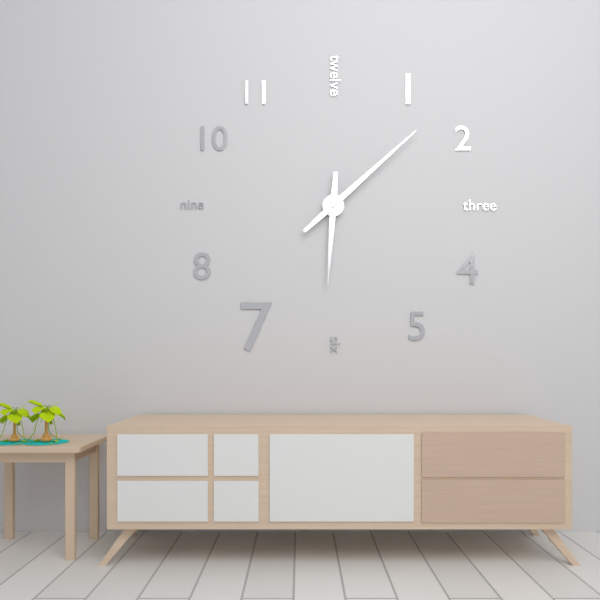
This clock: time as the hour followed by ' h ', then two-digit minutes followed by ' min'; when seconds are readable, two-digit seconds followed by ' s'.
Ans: 6 h 08 min
